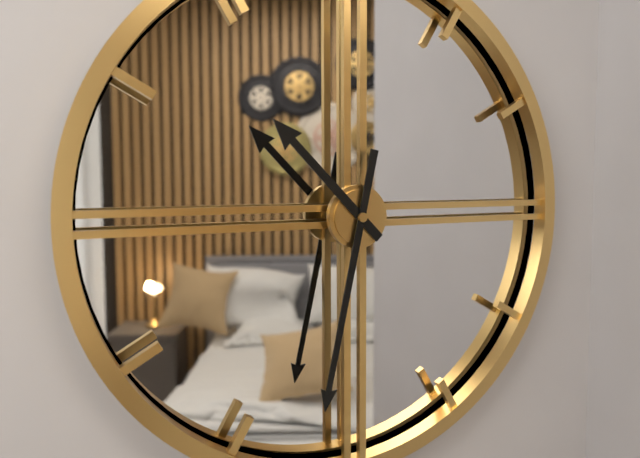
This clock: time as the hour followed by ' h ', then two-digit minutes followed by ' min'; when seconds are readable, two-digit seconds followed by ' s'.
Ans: 10 h 32 min
